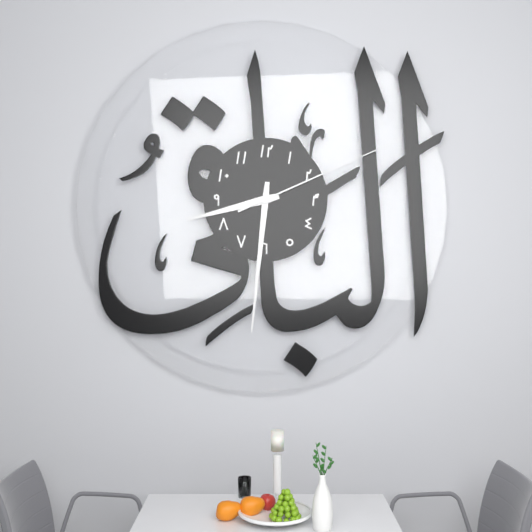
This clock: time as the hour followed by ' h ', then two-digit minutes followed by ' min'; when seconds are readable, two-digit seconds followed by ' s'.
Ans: 8 h 31 min 11 s
